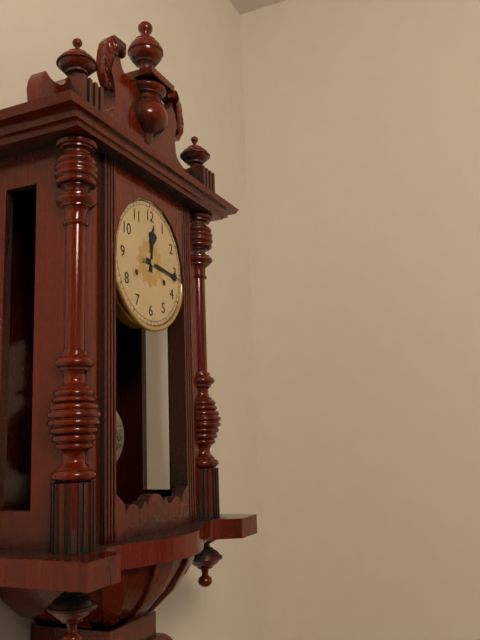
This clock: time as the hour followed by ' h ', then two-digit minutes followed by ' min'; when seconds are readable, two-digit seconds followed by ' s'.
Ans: 12 h 16 min
